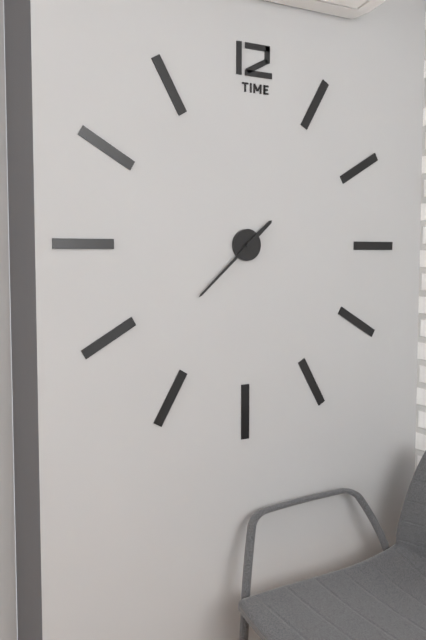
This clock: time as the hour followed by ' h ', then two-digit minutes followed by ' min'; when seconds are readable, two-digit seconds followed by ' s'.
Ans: 1 h 38 min
